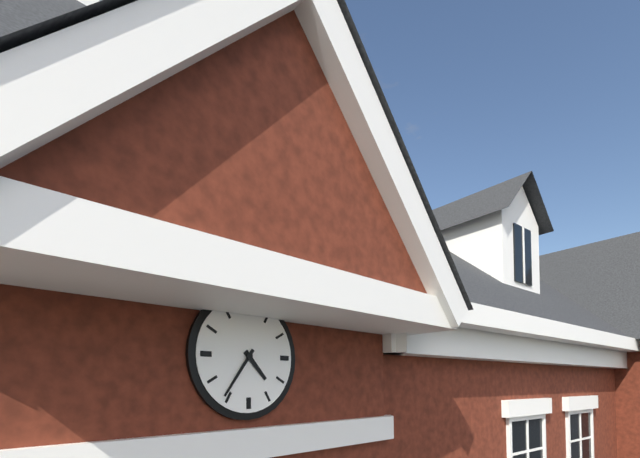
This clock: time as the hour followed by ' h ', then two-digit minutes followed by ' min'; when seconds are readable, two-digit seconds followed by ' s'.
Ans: 4 h 36 min
